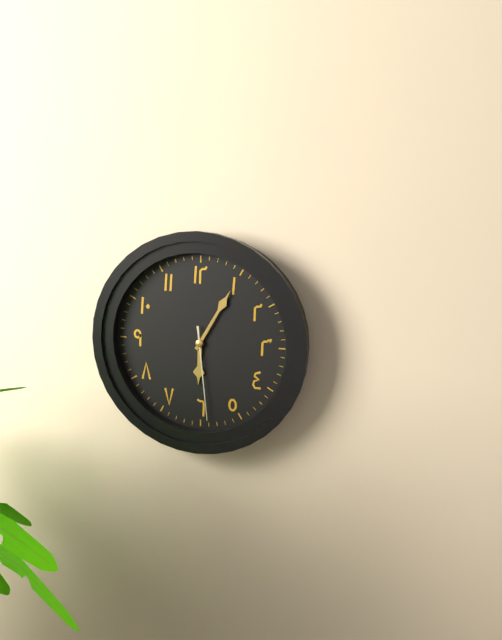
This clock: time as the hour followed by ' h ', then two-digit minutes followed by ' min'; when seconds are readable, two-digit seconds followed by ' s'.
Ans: 6 h 05 min 29 s
